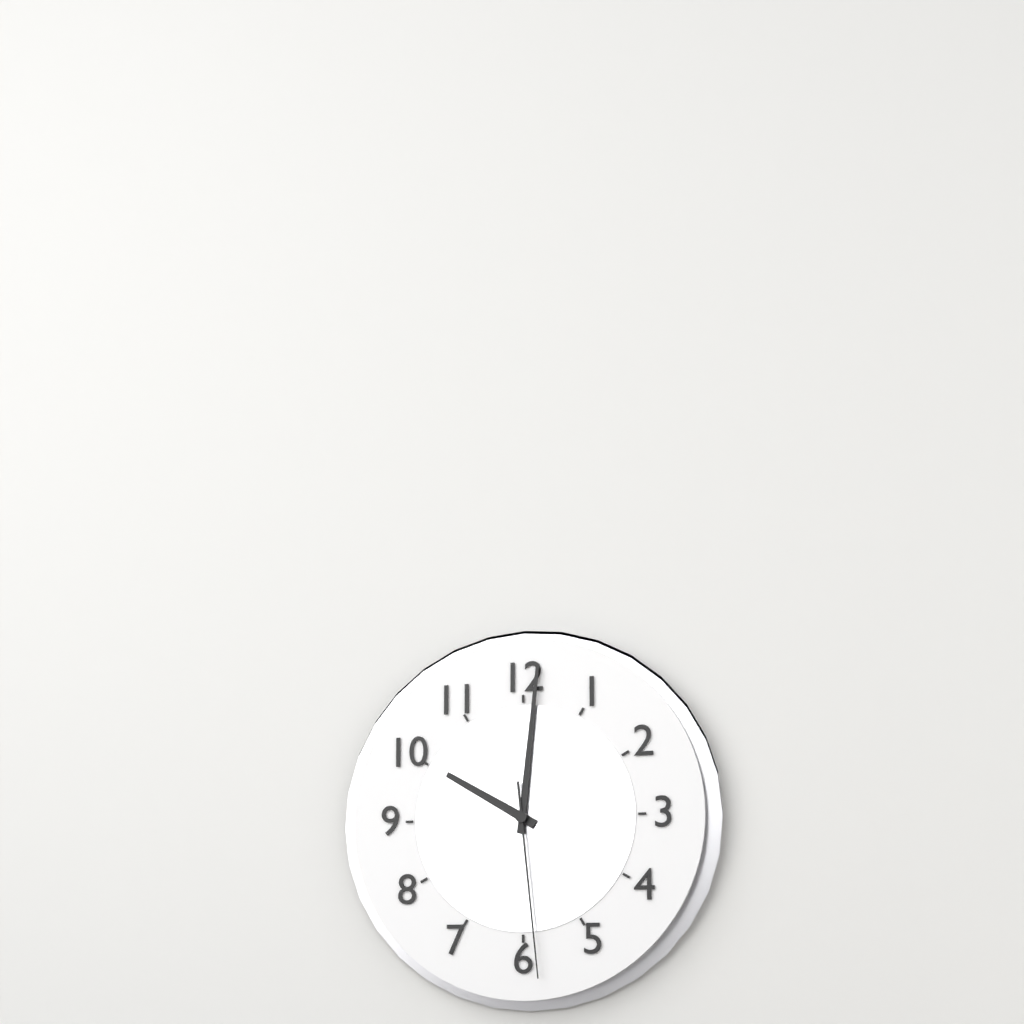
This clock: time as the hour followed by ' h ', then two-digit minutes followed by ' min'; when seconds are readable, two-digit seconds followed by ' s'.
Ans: 10 h 01 min 29 s
